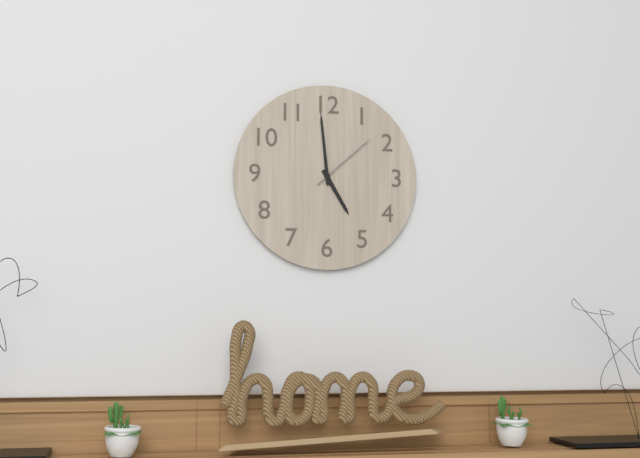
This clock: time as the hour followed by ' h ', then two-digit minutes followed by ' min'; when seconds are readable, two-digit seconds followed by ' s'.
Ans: 4 h 59 min 08 s
